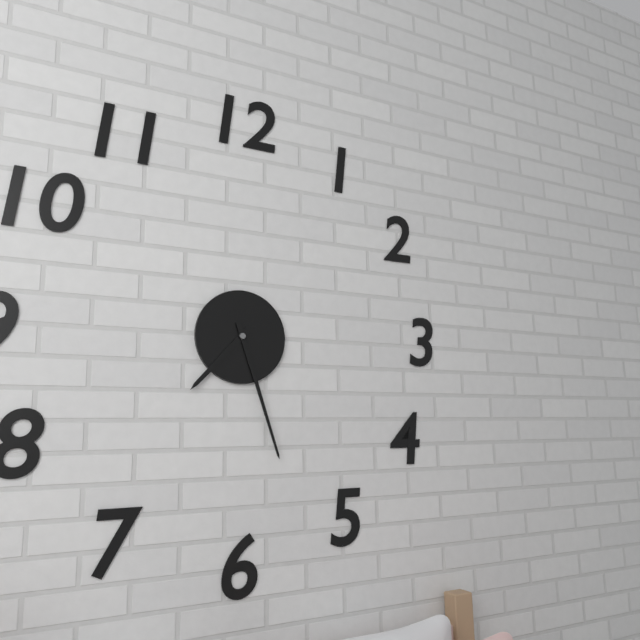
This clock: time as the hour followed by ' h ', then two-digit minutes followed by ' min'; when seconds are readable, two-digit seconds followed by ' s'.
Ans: 7 h 27 min
